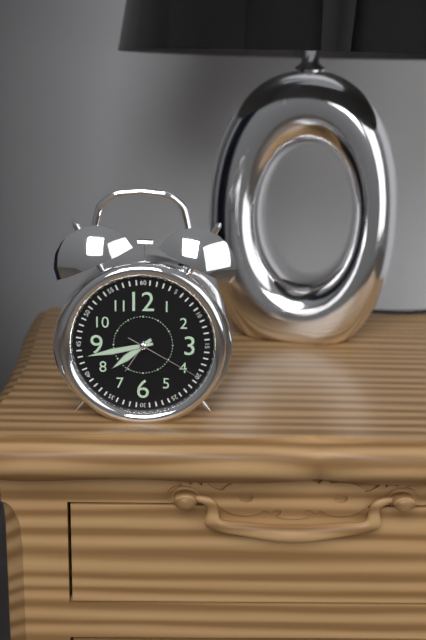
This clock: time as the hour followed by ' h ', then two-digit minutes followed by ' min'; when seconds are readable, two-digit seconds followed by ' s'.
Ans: 7 h 43 min 20 s
